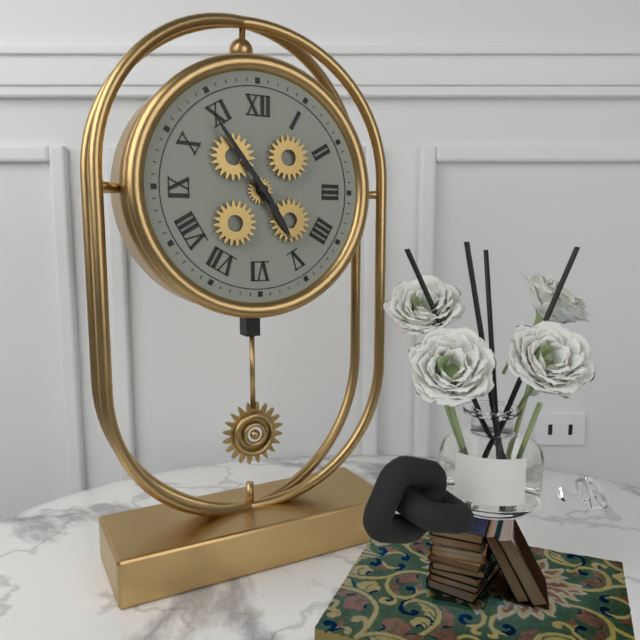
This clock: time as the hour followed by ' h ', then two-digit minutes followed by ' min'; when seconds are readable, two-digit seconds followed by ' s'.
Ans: 4 h 54 min
